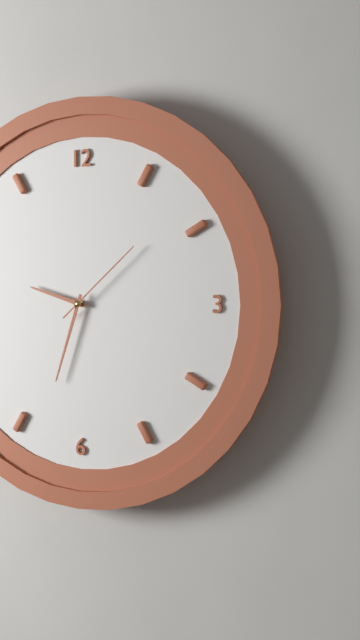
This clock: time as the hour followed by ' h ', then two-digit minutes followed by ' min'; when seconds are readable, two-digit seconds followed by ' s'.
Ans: 9 h 33 min 08 s
